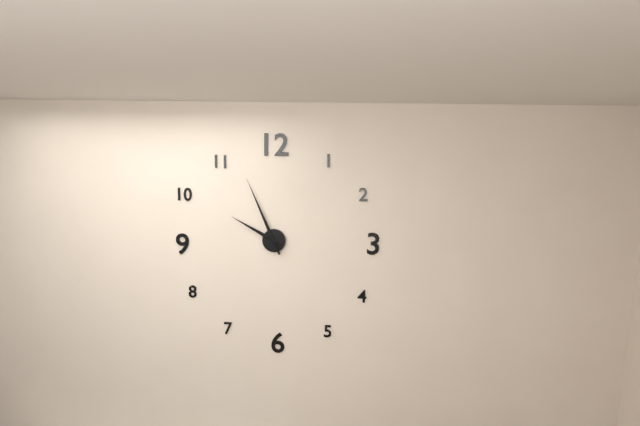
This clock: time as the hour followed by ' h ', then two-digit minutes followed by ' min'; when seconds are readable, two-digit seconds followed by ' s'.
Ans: 9 h 56 min
